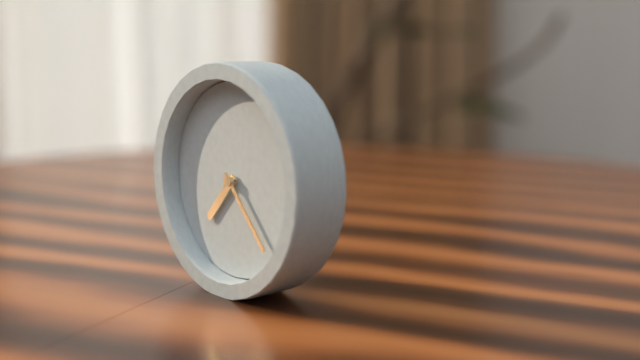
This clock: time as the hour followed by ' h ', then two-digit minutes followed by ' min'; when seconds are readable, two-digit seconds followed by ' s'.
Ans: 7 h 23 min
